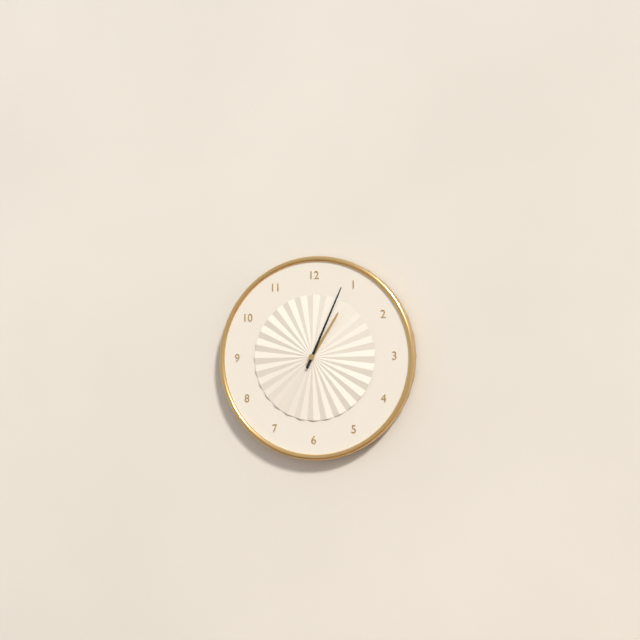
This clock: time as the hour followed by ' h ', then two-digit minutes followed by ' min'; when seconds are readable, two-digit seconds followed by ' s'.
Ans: 1 h 04 min
